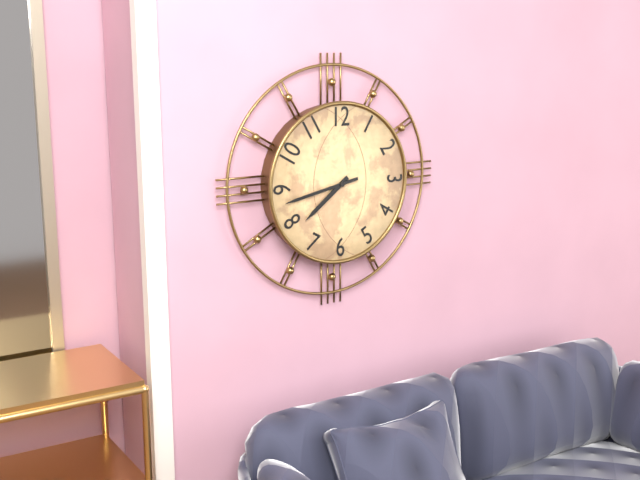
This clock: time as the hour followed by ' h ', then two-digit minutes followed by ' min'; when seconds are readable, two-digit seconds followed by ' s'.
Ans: 7 h 43 min
